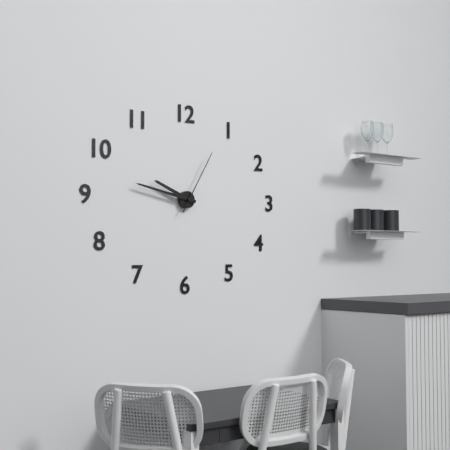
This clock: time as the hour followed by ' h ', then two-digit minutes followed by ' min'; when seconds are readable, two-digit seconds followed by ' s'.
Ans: 9 h 47 min 05 s
